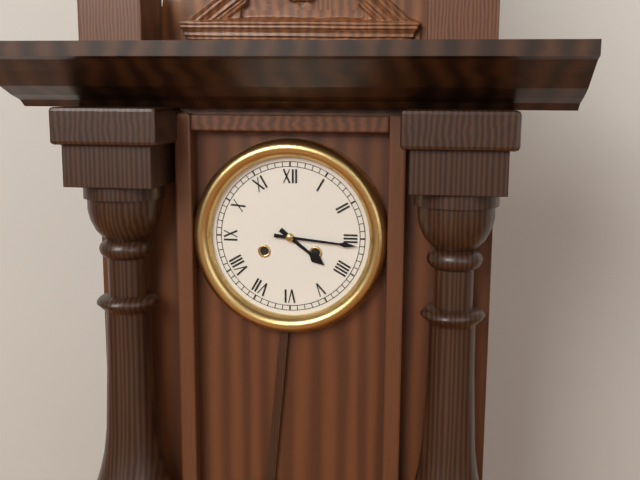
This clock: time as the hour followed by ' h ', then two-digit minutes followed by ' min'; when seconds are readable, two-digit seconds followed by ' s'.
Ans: 4 h 16 min
